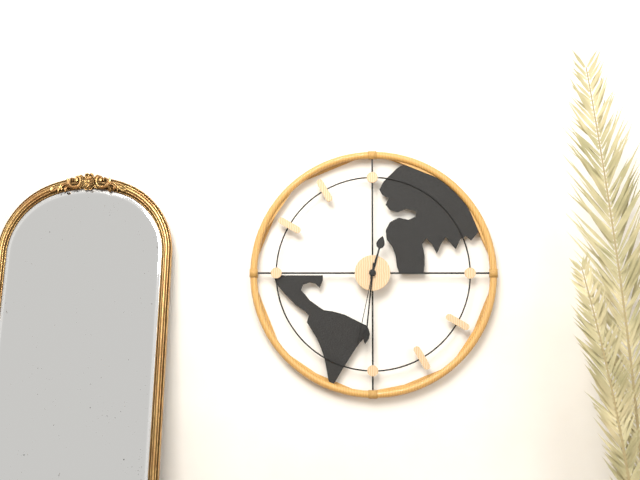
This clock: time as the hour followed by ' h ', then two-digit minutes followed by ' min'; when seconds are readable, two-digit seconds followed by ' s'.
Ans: 12 h 31 min 32 s
